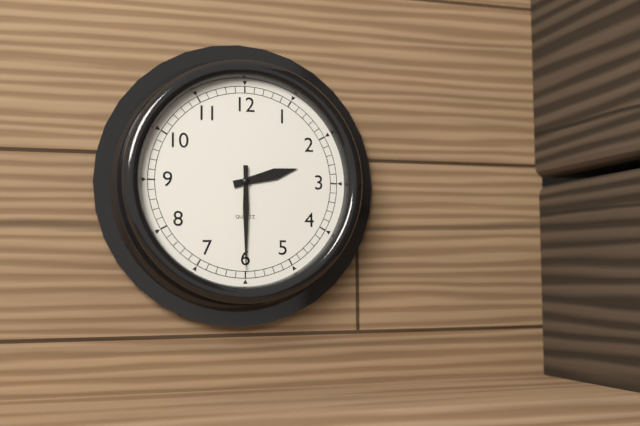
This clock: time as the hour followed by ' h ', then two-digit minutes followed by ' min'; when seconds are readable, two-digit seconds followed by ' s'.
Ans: 2 h 30 min
